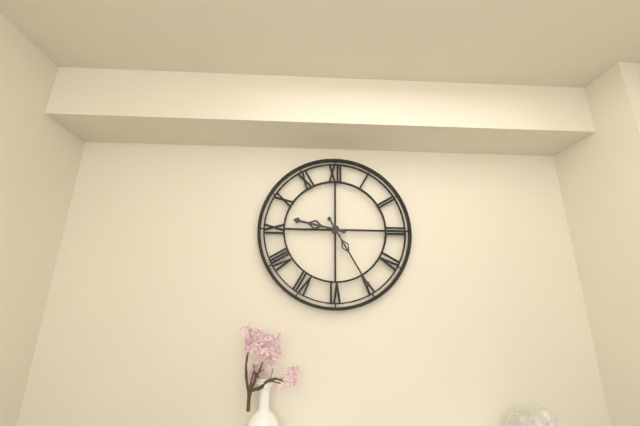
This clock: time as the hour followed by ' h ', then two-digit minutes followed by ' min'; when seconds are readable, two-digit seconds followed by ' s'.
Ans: 9 h 25 min
